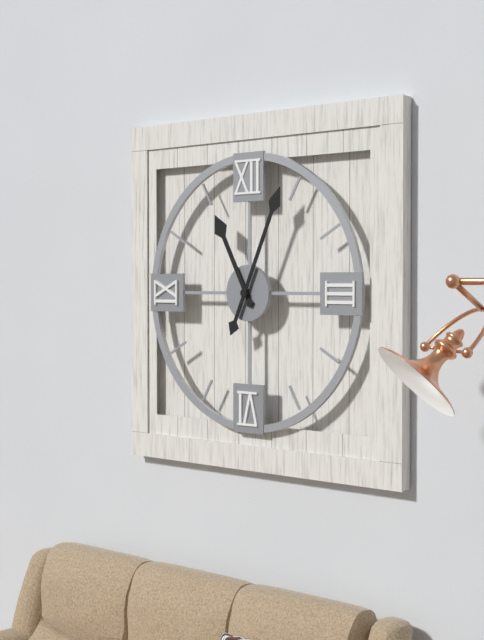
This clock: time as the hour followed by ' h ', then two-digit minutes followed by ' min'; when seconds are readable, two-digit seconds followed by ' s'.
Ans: 11 h 04 min
